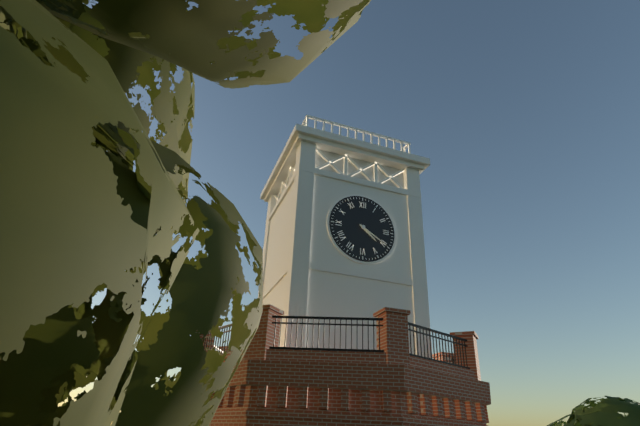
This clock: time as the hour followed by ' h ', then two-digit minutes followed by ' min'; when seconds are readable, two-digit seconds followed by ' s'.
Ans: 4 h 20 min
